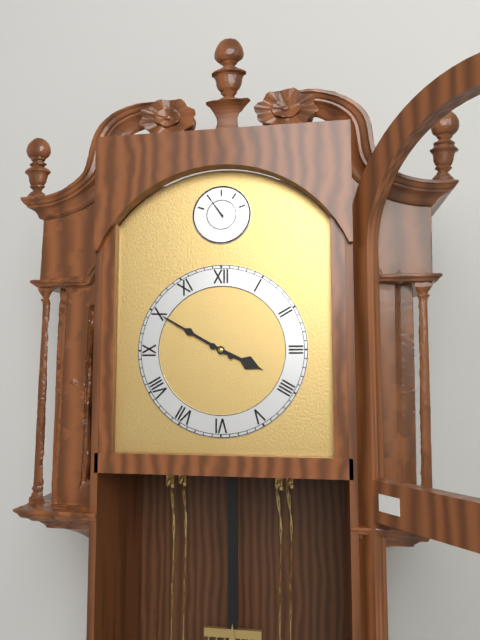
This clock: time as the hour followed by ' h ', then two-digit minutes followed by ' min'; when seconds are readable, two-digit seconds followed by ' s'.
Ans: 3 h 50 min
